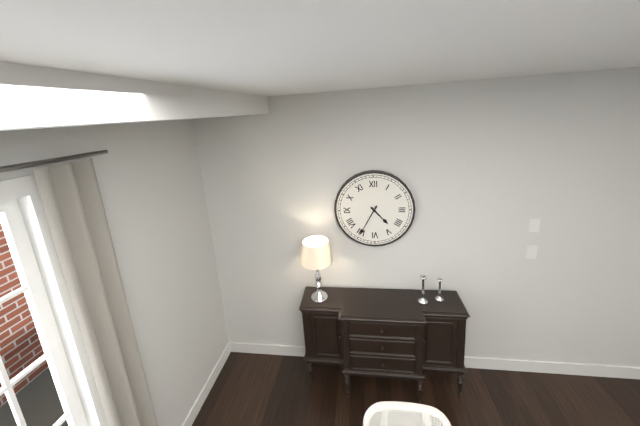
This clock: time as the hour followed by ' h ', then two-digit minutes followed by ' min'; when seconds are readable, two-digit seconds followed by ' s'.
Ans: 4 h 35 min
